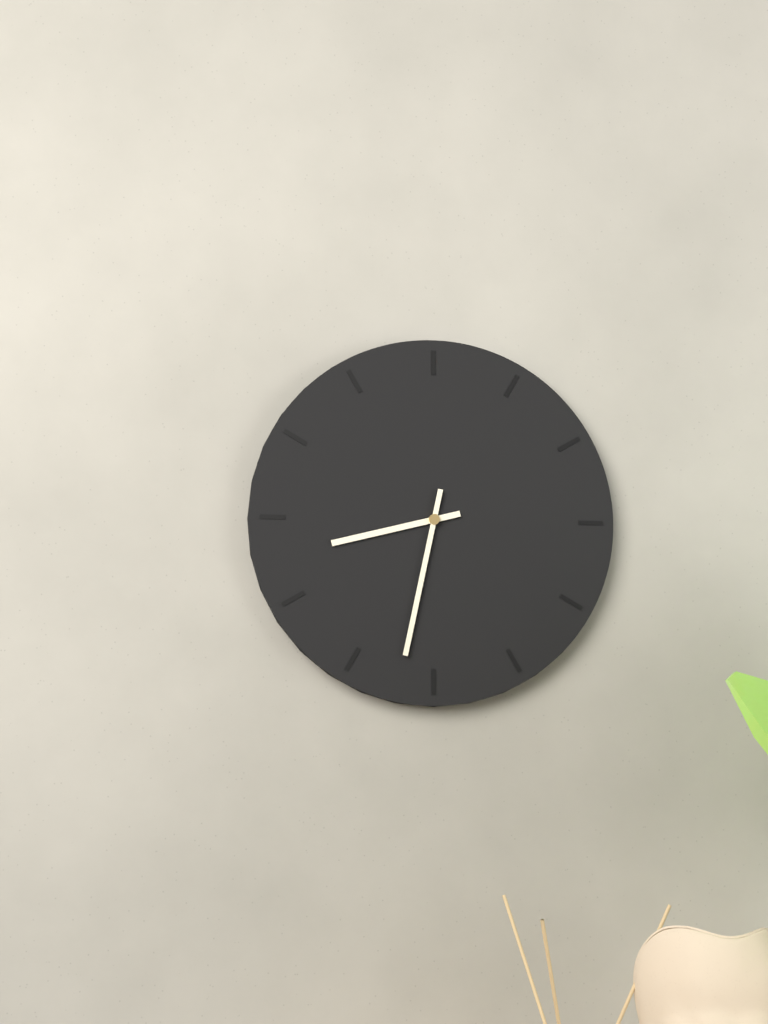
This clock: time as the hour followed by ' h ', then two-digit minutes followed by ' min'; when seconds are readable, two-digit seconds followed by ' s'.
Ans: 8 h 32 min
